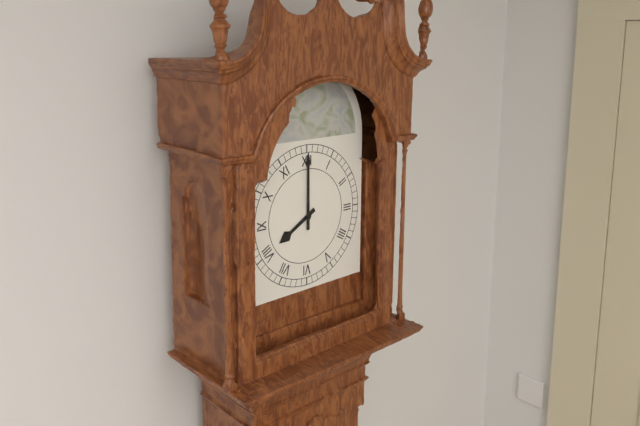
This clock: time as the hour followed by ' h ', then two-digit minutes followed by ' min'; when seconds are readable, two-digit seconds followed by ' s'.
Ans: 8 h 00 min
